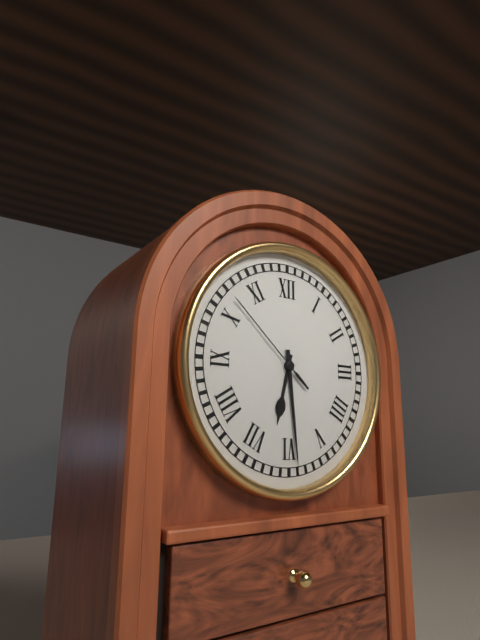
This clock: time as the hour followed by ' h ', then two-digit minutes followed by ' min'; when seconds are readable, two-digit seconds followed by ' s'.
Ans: 6 h 29 min 52 s
